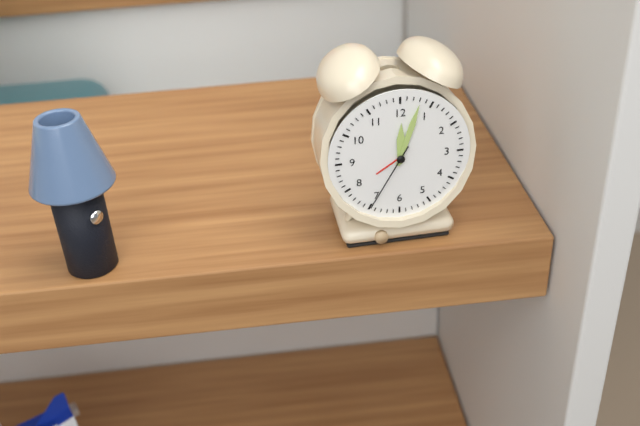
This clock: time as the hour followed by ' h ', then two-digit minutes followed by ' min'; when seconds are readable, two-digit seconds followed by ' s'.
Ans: 12 h 03 min 35 s
